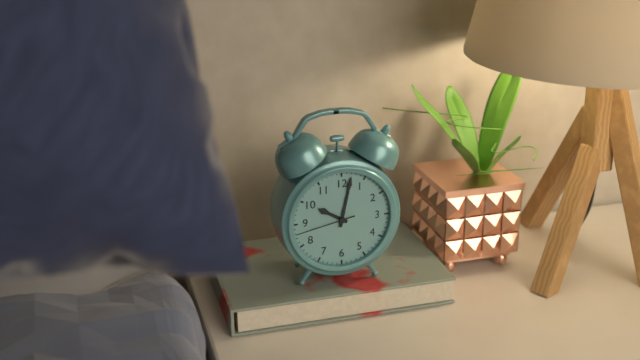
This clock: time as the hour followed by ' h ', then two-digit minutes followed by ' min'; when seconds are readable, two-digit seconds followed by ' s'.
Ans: 10 h 02 min 43 s
